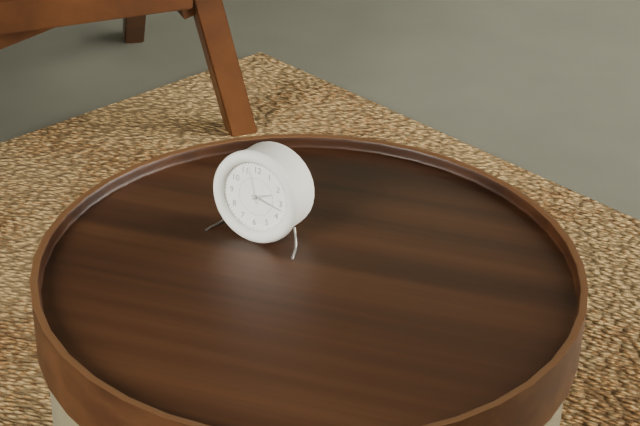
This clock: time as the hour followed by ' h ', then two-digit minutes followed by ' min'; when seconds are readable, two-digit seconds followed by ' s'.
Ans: 2 h 17 min
